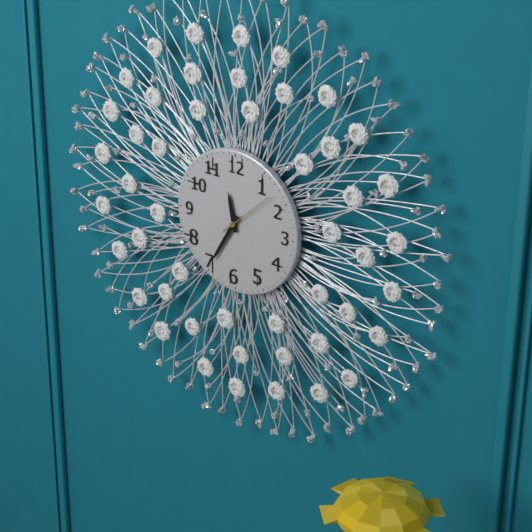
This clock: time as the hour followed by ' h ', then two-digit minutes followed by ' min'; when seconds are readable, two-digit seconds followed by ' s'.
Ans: 11 h 35 min 08 s
